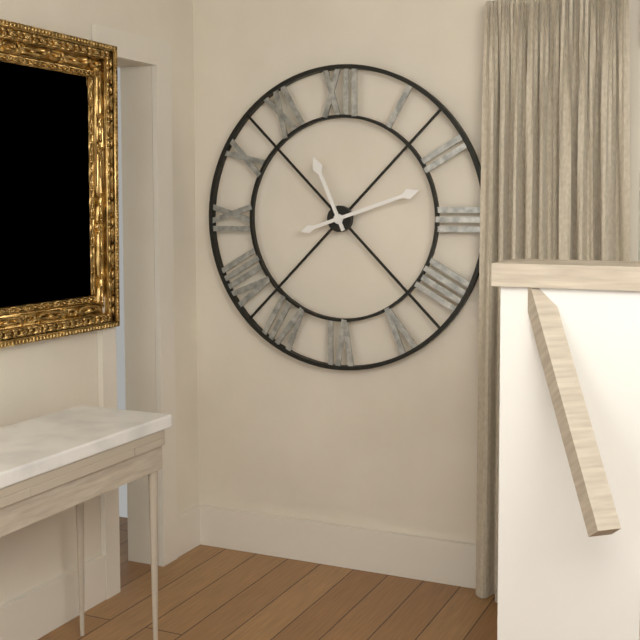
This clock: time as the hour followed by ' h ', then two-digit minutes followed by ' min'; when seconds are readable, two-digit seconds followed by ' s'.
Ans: 11 h 12 min
